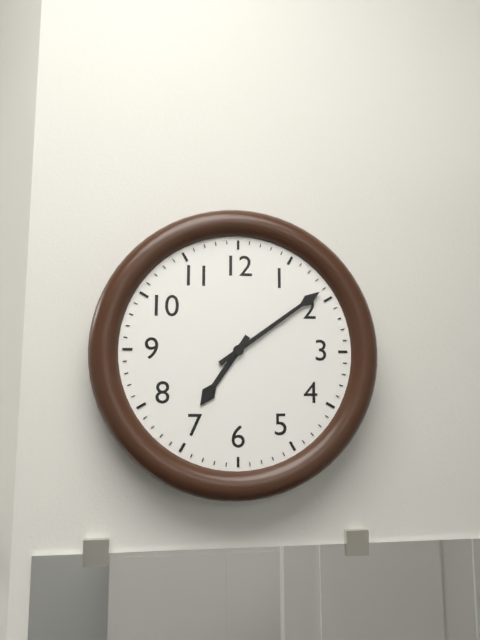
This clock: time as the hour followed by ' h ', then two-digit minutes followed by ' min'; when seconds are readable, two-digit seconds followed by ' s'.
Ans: 7 h 09 min
